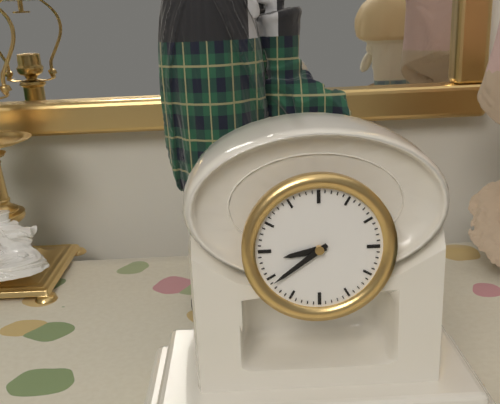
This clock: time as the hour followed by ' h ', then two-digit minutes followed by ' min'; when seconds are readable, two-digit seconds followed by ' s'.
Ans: 8 h 39 min
